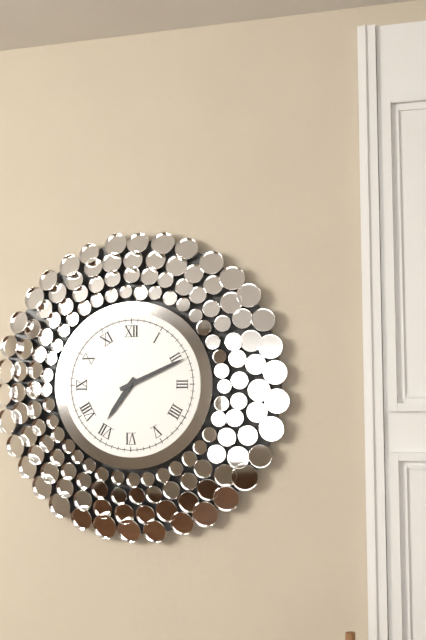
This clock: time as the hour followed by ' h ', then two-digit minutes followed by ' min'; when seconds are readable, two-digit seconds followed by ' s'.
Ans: 7 h 11 min
